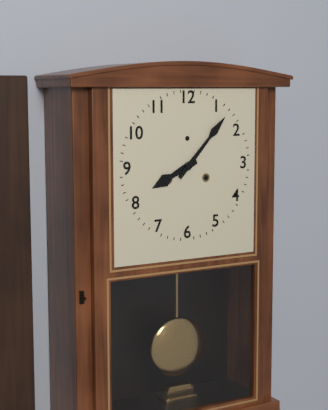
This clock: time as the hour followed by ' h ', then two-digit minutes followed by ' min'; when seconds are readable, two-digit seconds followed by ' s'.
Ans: 8 h 07 min
